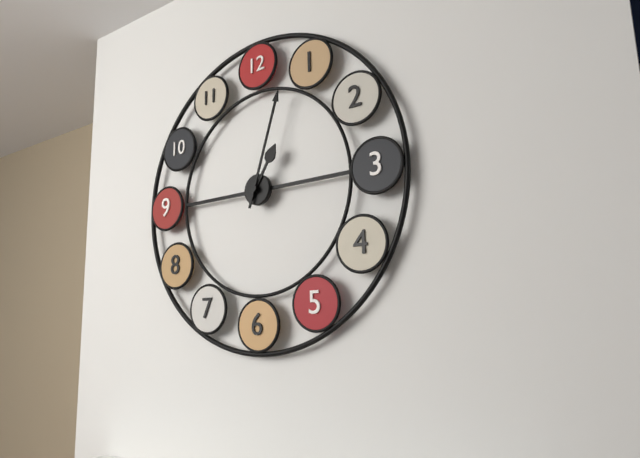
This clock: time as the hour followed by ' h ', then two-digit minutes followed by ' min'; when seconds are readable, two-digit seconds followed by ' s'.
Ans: 1 h 03 min
